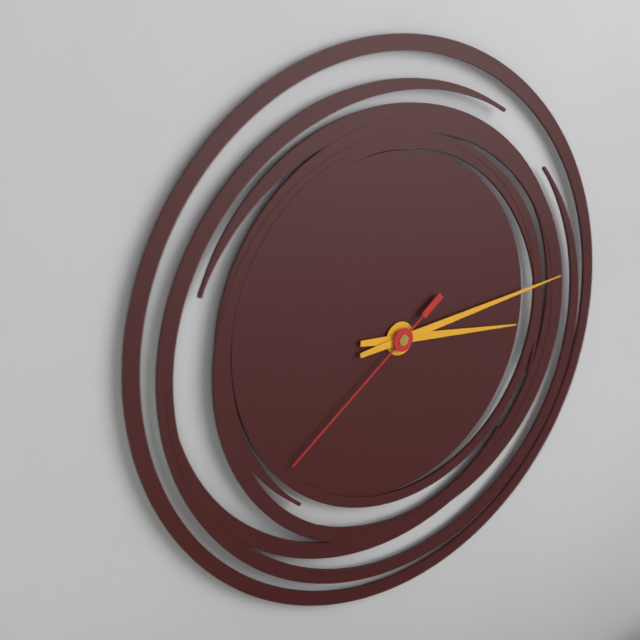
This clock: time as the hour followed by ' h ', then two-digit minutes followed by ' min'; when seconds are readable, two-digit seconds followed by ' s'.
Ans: 3 h 14 min 39 s
